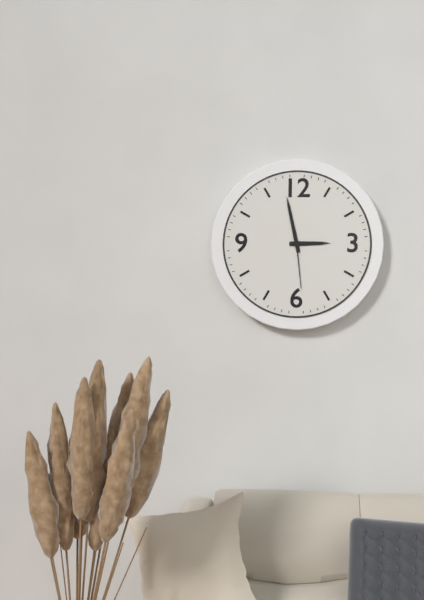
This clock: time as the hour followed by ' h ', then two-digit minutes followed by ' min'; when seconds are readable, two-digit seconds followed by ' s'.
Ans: 2 h 58 min 29 s
